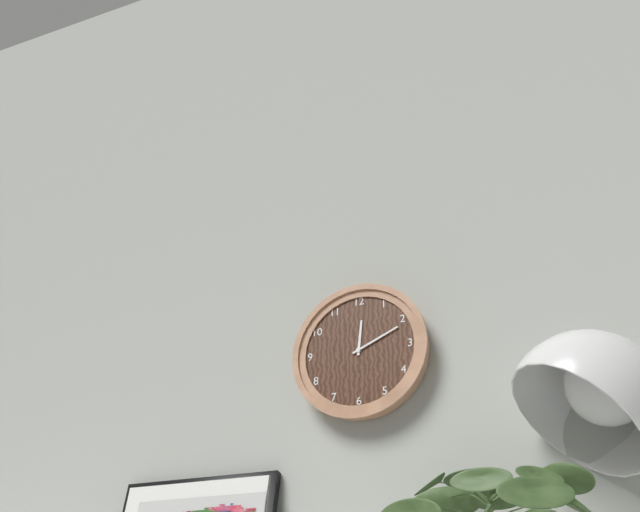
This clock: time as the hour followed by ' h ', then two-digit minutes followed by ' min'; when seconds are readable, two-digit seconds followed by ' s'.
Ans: 12 h 11 min
